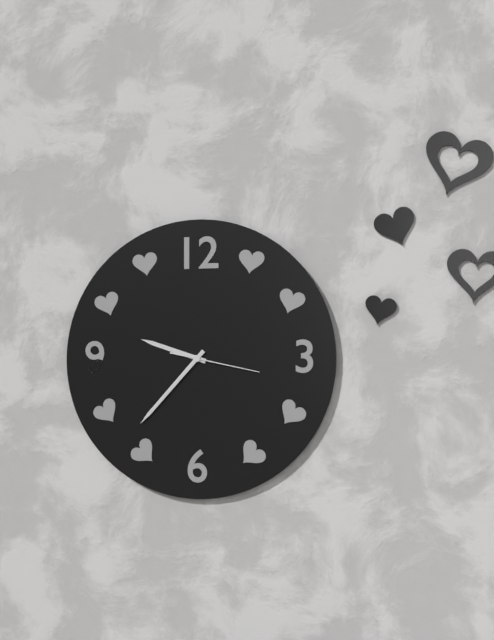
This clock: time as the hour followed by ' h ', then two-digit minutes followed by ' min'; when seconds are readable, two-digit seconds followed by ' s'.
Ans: 9 h 37 min 17 s
